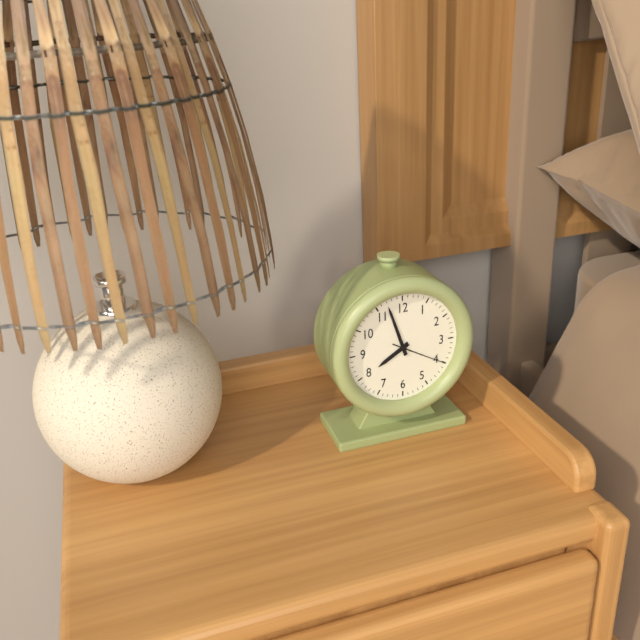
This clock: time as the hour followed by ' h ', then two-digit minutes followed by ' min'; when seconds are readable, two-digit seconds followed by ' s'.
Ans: 7 h 57 min 20 s
